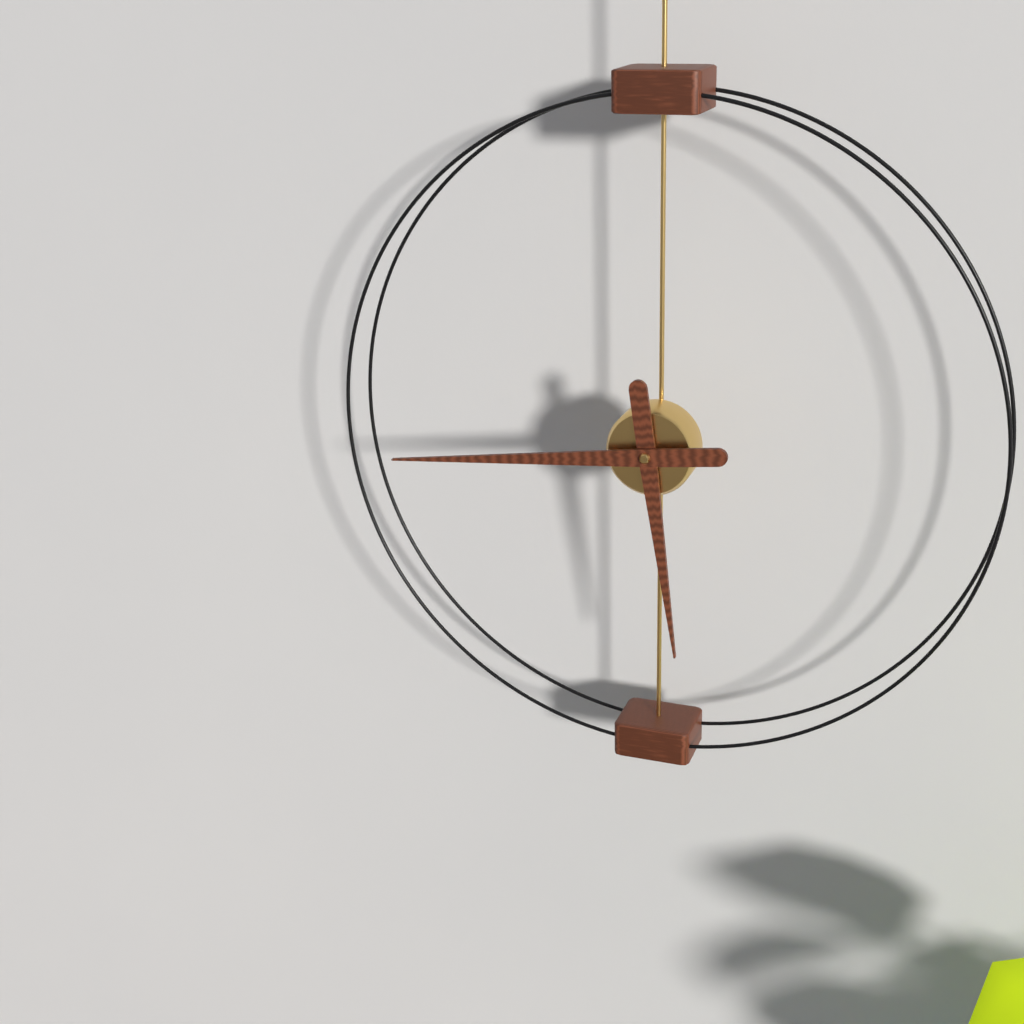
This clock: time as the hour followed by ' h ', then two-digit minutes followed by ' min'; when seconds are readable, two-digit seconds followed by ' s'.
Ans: 5 h 44 min
